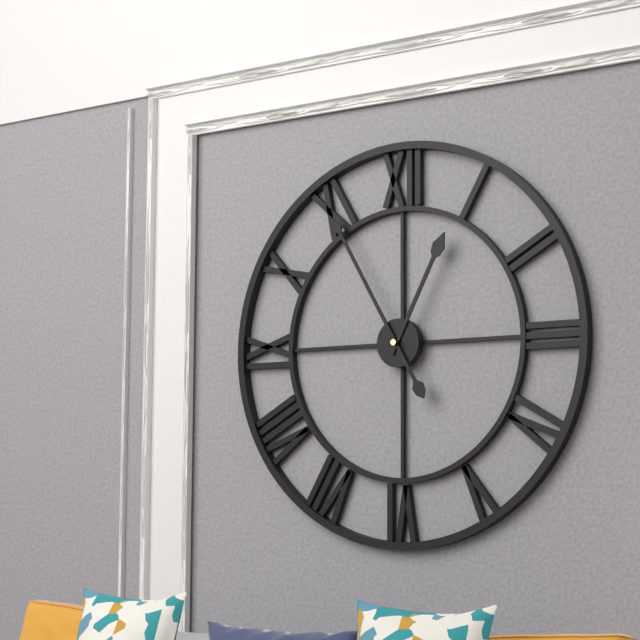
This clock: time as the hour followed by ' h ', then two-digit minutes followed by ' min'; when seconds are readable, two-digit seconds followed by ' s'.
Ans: 12 h 55 min
